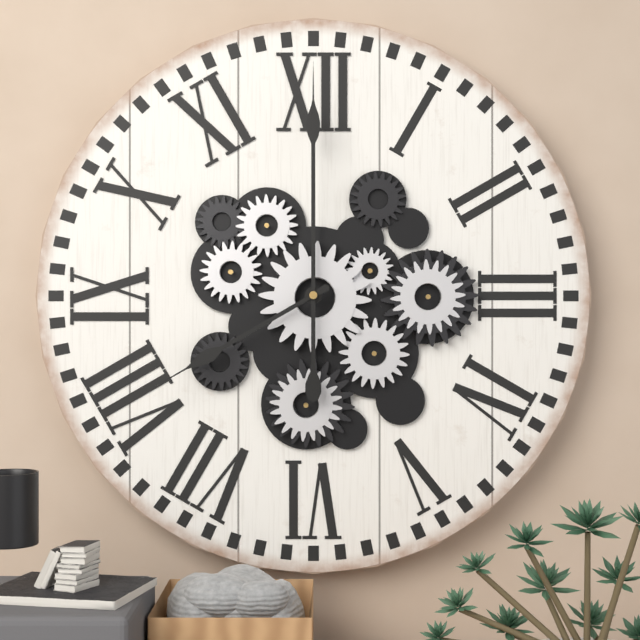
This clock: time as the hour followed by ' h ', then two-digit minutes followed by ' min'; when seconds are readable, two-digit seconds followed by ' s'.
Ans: 8 h 00 min
